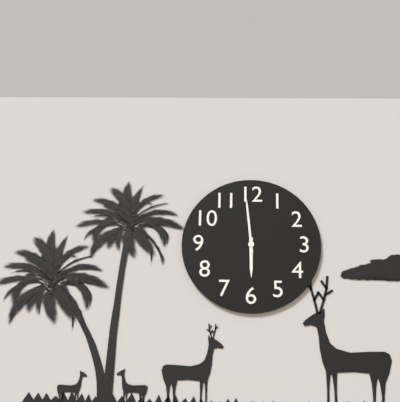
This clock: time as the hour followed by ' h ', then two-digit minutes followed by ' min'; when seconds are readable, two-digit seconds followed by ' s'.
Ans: 5 h 59 min
